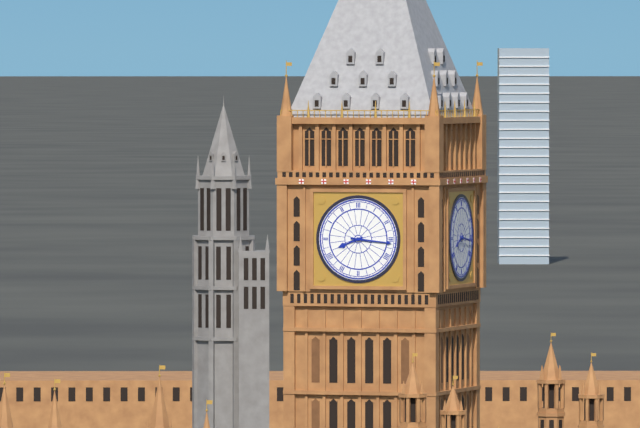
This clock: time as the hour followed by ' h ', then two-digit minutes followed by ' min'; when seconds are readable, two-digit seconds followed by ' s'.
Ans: 8 h 16 min
